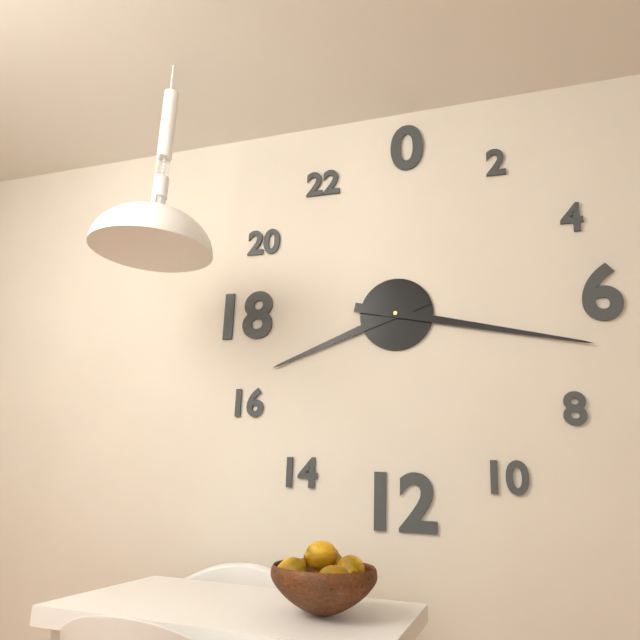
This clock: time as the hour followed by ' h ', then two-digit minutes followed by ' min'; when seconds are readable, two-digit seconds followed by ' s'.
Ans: 8 h 17 min
